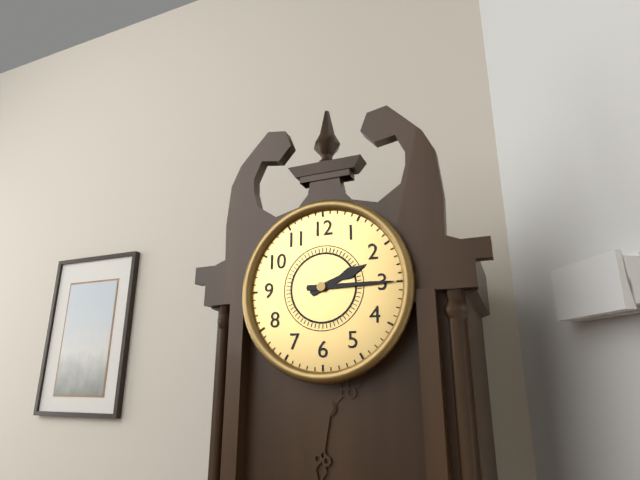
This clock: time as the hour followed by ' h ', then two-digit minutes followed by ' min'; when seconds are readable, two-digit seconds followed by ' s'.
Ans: 2 h 15 min
